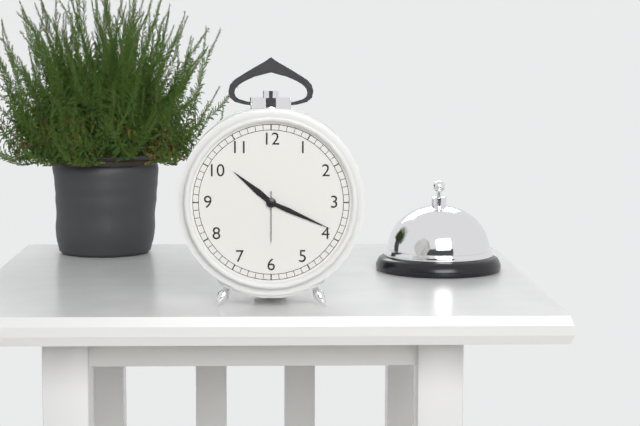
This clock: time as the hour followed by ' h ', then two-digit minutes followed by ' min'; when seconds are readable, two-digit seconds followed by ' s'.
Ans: 10 h 19 min 30 s
